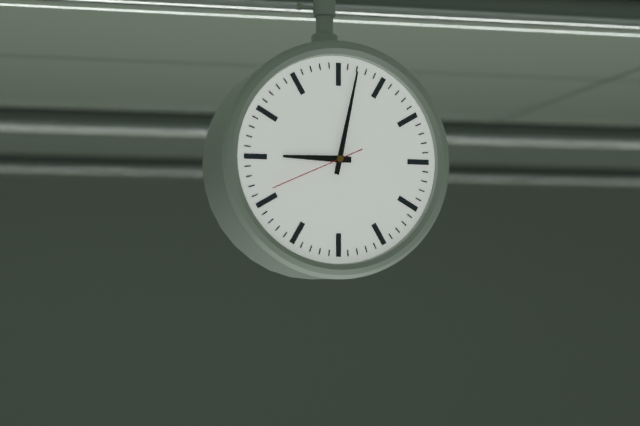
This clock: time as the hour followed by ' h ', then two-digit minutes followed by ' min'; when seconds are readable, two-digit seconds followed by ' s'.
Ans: 9 h 02 min 41 s
